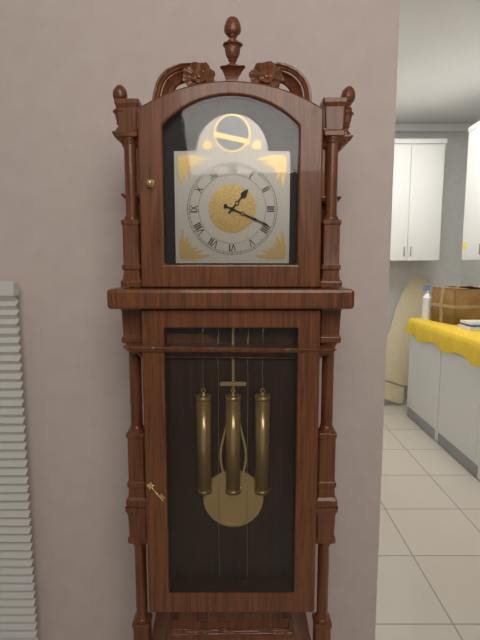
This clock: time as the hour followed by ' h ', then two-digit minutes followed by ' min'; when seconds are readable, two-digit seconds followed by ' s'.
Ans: 1 h 19 min
